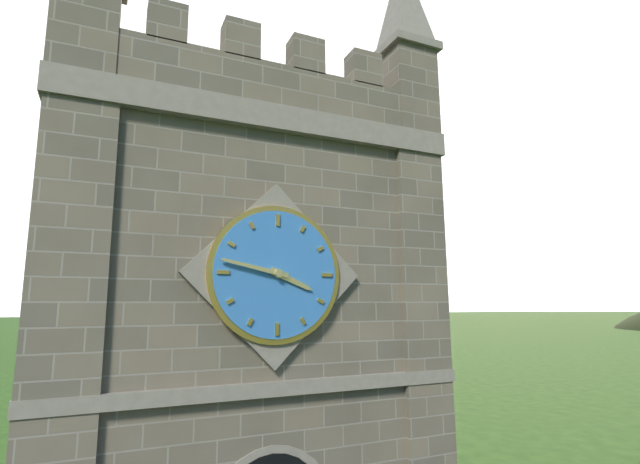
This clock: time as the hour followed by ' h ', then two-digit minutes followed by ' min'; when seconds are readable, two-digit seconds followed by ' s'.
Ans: 3 h 47 min
